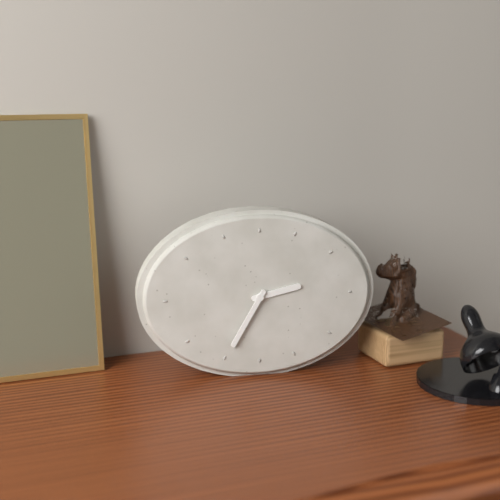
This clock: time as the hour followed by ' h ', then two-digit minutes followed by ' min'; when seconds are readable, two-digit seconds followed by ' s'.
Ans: 2 h 35 min
